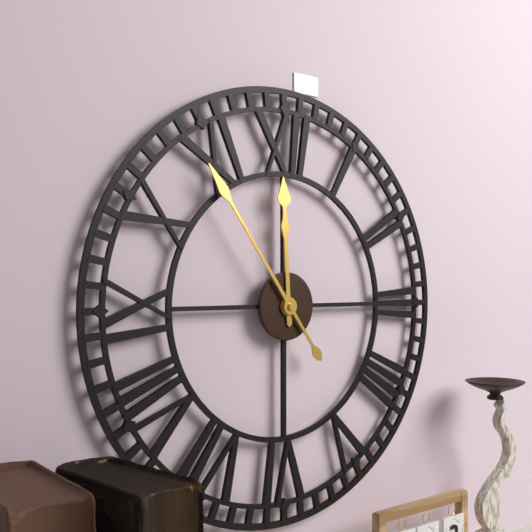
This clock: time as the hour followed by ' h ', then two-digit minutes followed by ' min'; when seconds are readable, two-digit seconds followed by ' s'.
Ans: 11 h 54 min
